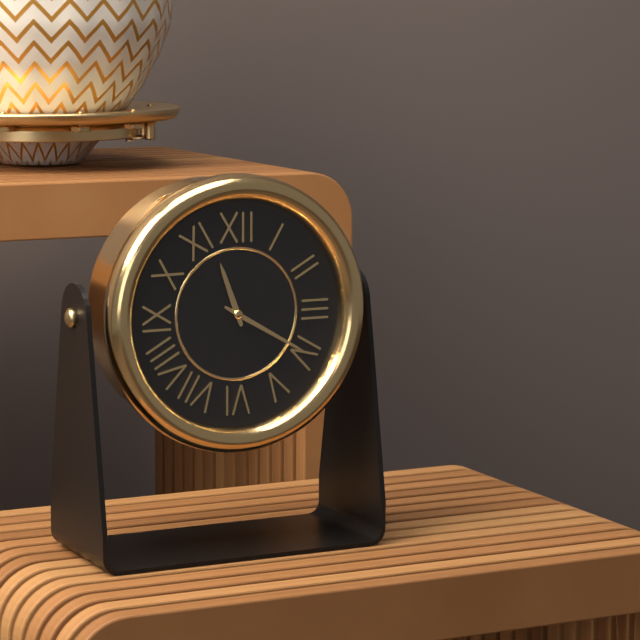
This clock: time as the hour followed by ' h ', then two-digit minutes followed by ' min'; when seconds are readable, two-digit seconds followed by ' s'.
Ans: 11 h 20 min
